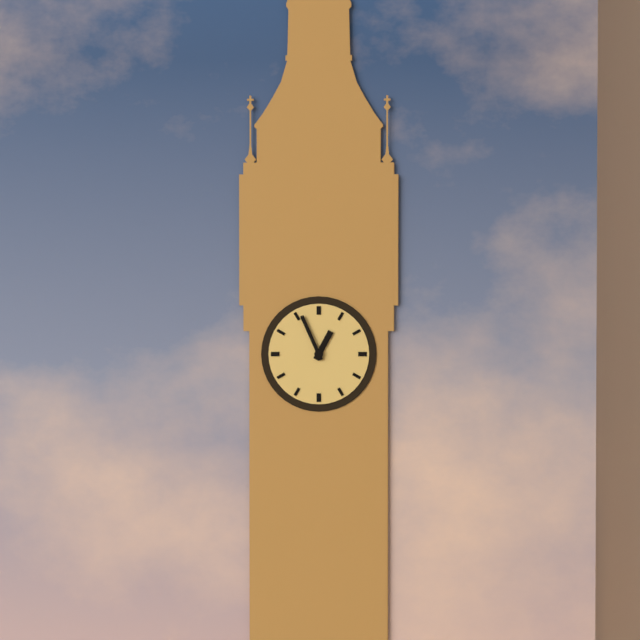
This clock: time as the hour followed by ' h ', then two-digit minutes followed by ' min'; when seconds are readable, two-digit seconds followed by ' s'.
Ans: 12 h 56 min
